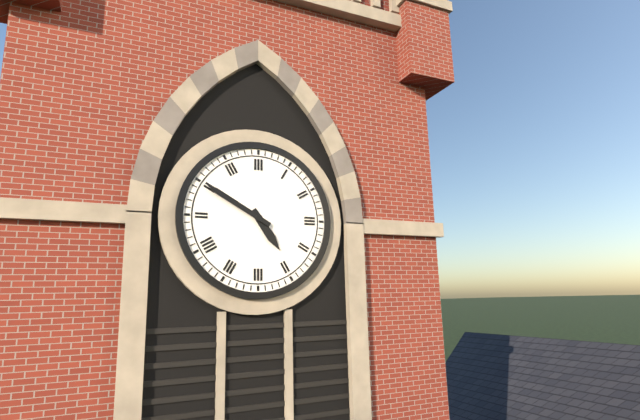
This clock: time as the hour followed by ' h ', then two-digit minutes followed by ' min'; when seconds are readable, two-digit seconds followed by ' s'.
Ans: 4 h 50 min
